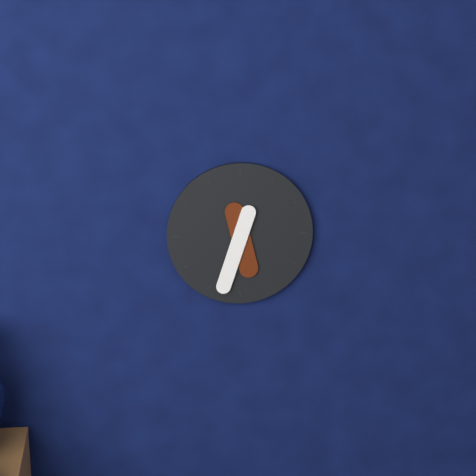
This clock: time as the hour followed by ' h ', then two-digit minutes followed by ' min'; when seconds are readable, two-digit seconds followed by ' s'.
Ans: 5 h 33 min
